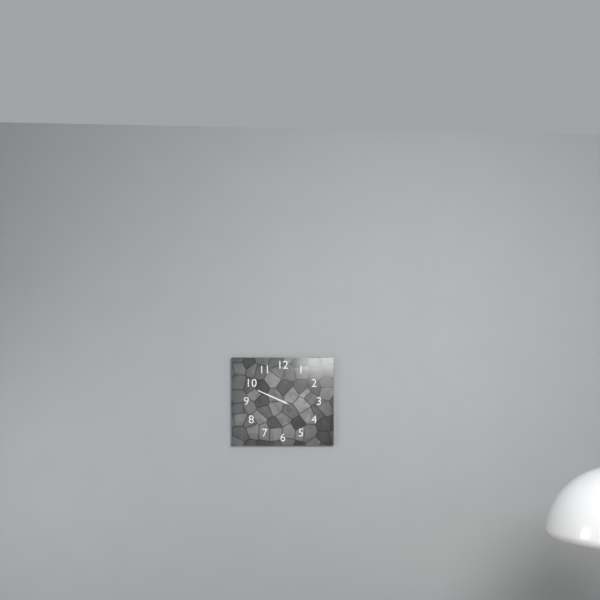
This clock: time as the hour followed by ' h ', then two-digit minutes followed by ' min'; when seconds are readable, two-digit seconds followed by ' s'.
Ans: 9 h 49 min
